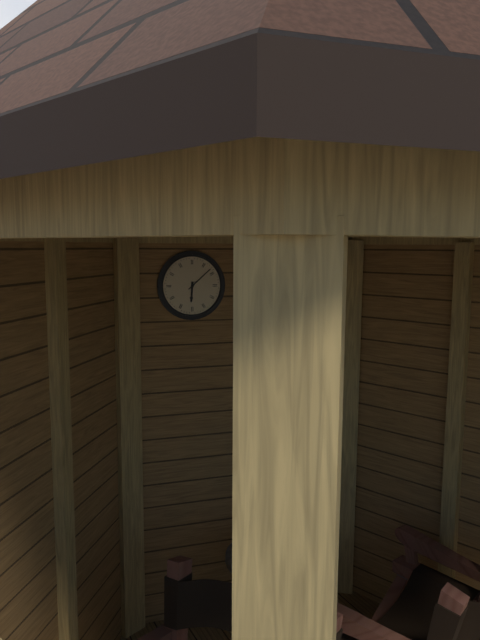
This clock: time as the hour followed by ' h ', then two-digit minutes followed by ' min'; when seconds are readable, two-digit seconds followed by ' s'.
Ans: 6 h 08 min
